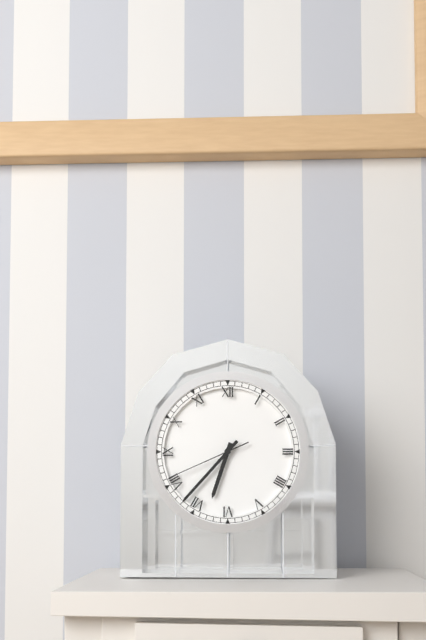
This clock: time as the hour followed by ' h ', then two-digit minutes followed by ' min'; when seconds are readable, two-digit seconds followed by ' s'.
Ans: 6 h 37 min 41 s
